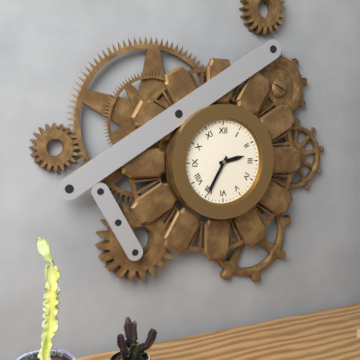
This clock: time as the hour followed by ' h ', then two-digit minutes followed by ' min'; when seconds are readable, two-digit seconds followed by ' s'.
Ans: 2 h 35 min
